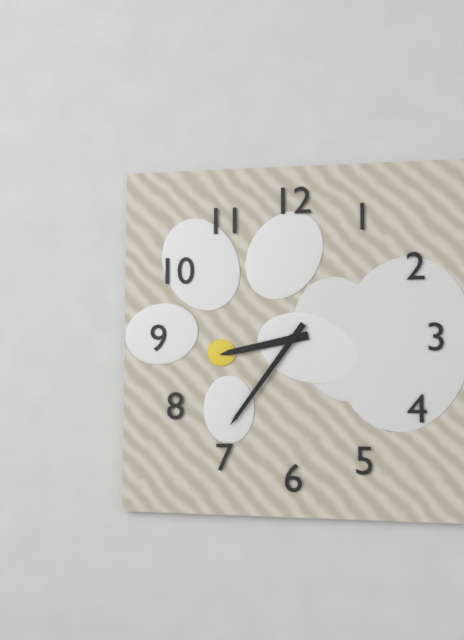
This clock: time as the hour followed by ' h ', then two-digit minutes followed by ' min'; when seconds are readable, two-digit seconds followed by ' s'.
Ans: 8 h 36 min
